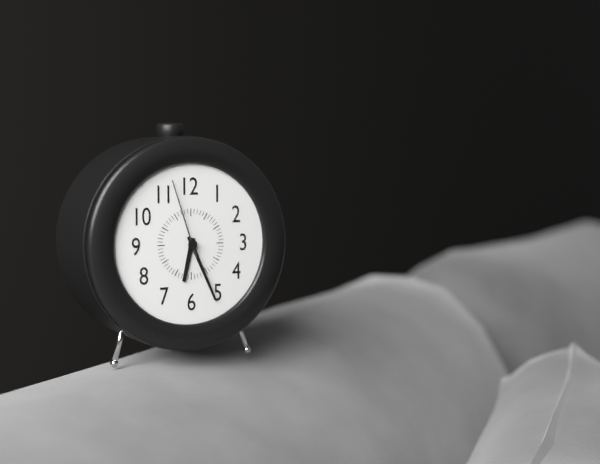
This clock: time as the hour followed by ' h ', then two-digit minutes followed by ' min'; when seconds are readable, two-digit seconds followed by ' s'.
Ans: 6 h 26 min 57 s
